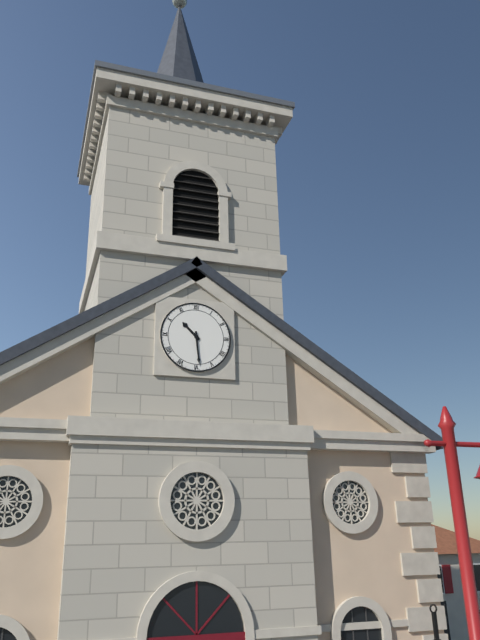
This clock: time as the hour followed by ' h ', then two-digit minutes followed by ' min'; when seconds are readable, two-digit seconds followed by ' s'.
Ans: 10 h 29 min
